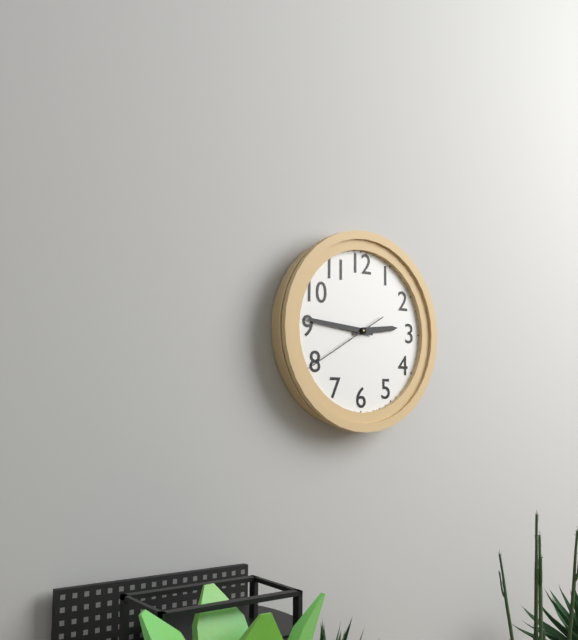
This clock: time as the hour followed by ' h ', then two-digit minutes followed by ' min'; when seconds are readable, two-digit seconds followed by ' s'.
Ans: 2 h 46 min 40 s
